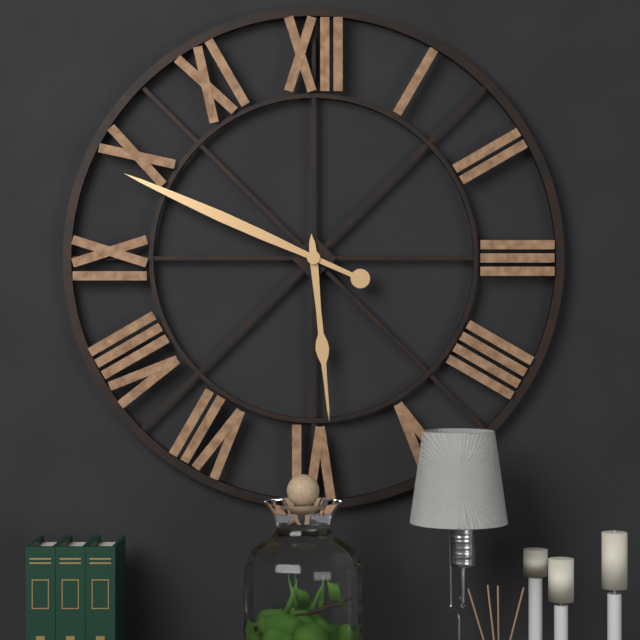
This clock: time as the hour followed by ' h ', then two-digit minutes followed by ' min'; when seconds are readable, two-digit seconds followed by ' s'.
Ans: 5 h 49 min
